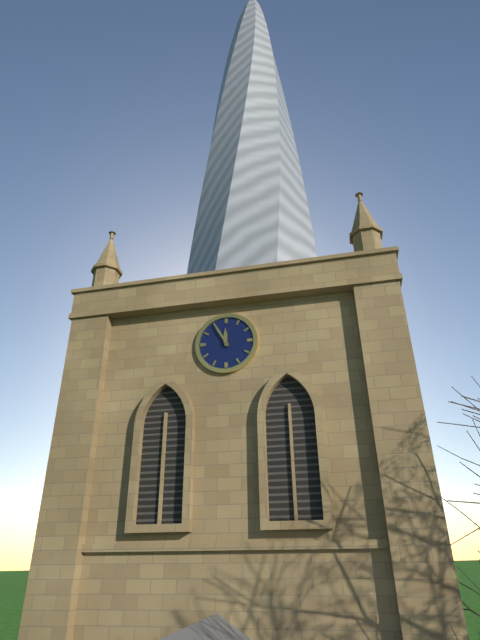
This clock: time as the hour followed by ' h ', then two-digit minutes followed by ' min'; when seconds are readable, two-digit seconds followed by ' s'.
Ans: 11 h 55 min
